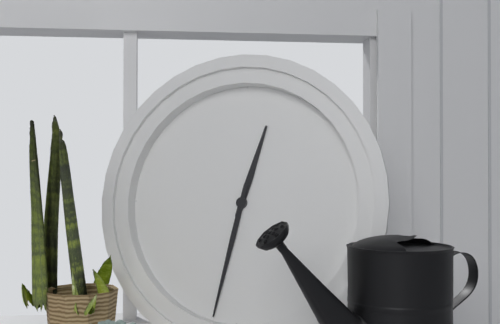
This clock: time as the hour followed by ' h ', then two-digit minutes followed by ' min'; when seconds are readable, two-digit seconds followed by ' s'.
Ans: 12 h 32 min
